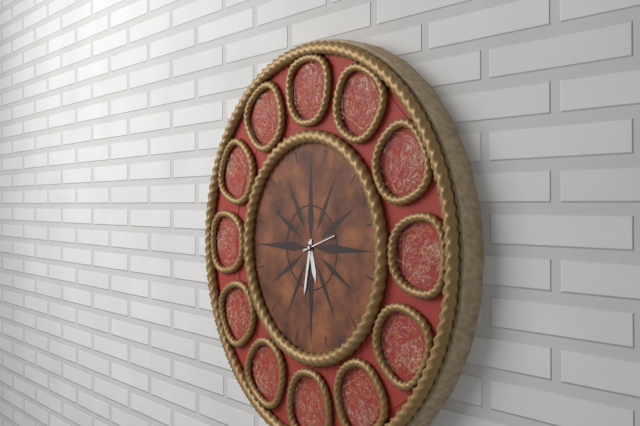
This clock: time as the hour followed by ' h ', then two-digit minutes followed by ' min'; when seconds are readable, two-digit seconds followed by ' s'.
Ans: 5 h 32 min
